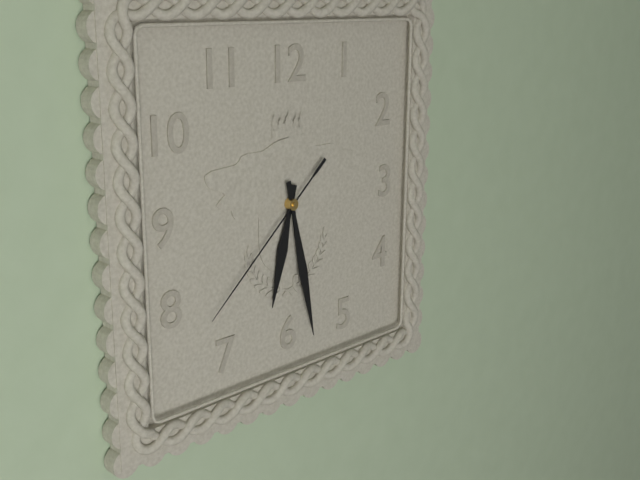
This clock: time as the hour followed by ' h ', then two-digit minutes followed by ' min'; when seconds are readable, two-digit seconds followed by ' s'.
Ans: 6 h 28 min 38 s
